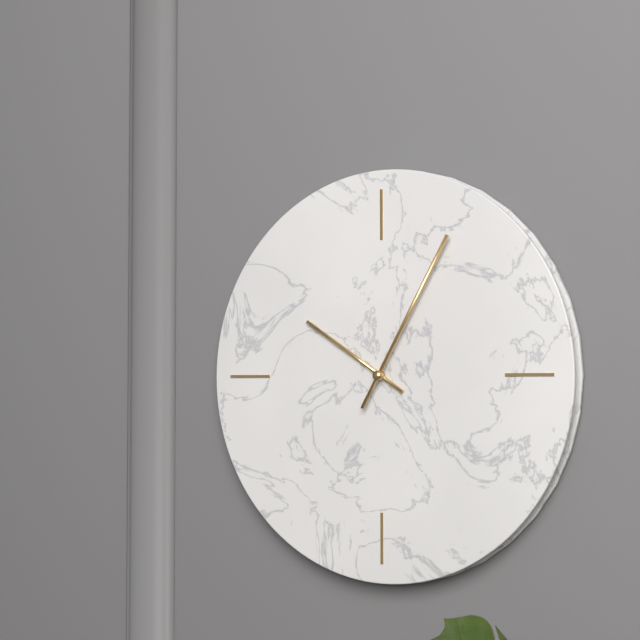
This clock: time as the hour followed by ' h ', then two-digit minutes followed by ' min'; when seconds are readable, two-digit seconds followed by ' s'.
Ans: 10 h 05 min
